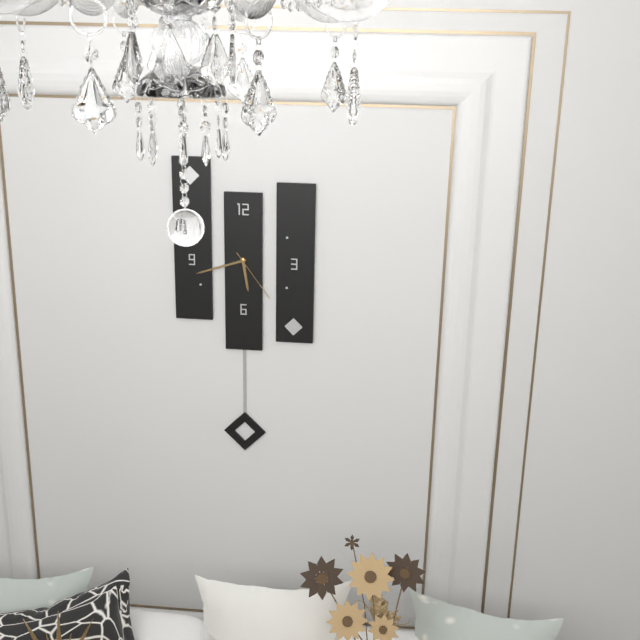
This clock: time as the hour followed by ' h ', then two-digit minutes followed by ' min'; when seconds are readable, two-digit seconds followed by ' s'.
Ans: 5 h 42 min 24 s
